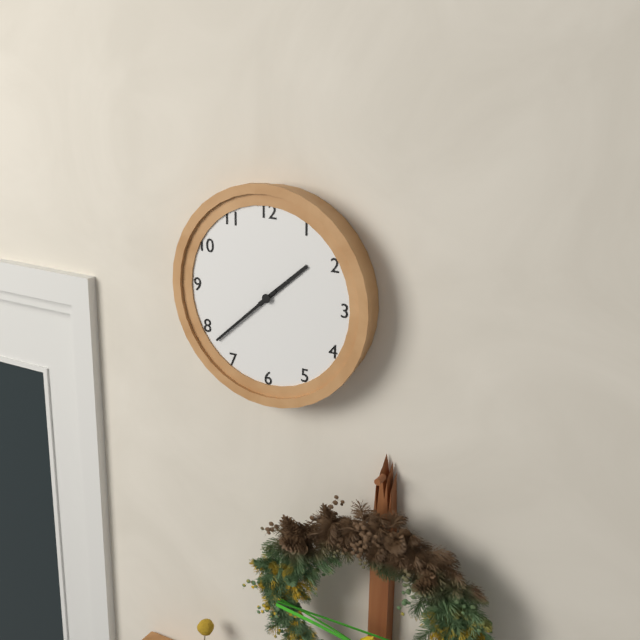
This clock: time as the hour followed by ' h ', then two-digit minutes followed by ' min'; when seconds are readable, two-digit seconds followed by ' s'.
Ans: 1 h 38 min
